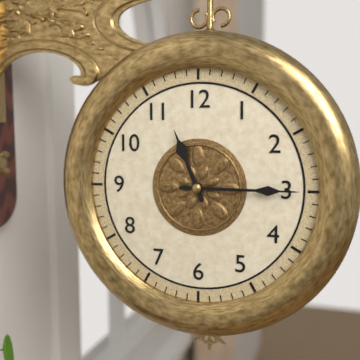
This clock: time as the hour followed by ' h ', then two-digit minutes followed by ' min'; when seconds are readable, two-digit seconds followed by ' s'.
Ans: 11 h 15 min
